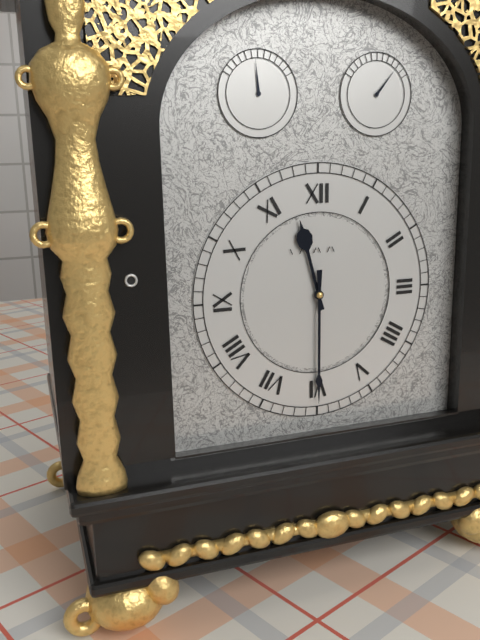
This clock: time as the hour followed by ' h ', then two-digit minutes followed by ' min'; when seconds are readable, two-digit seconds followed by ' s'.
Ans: 11 h 30 min
